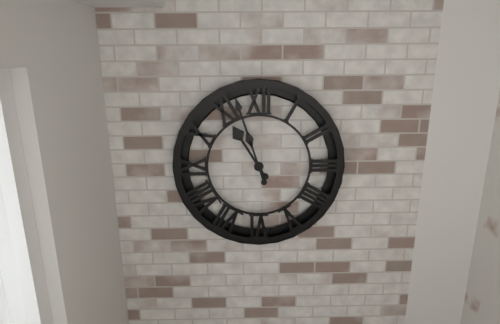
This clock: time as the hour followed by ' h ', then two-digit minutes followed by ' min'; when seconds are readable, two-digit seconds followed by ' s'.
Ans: 10 h 57 min
